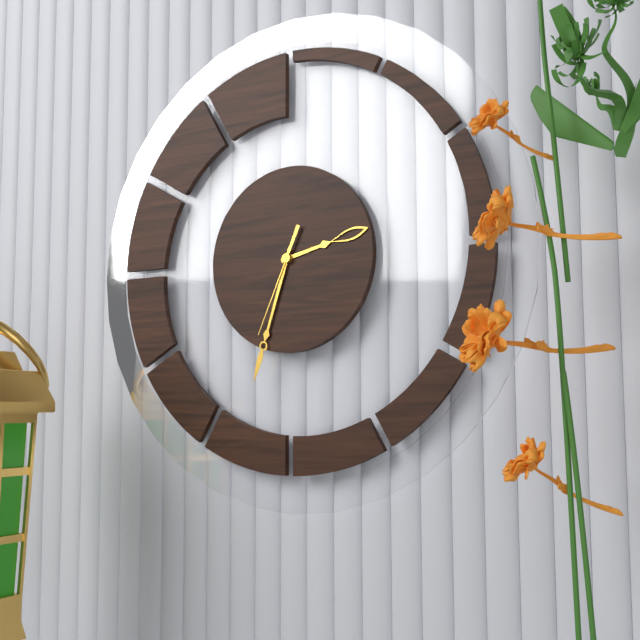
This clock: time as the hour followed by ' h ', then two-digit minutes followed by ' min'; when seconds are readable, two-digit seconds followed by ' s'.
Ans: 2 h 33 min 34 s
